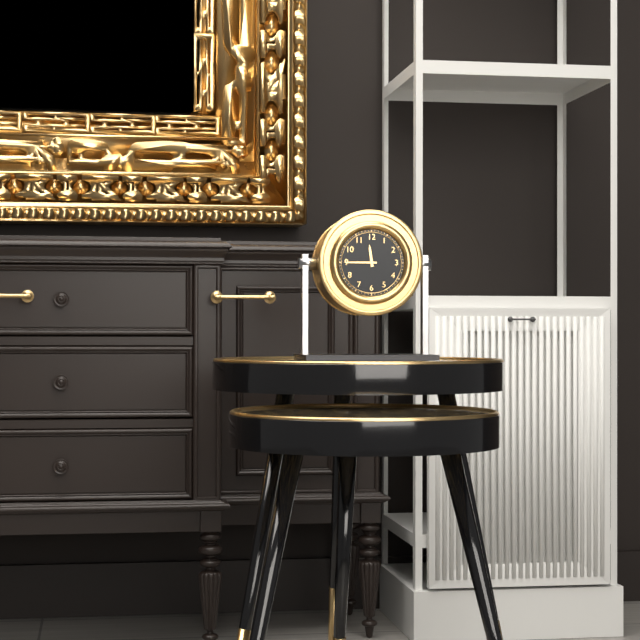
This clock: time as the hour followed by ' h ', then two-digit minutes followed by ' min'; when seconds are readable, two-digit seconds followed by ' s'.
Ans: 11 h 45 min
